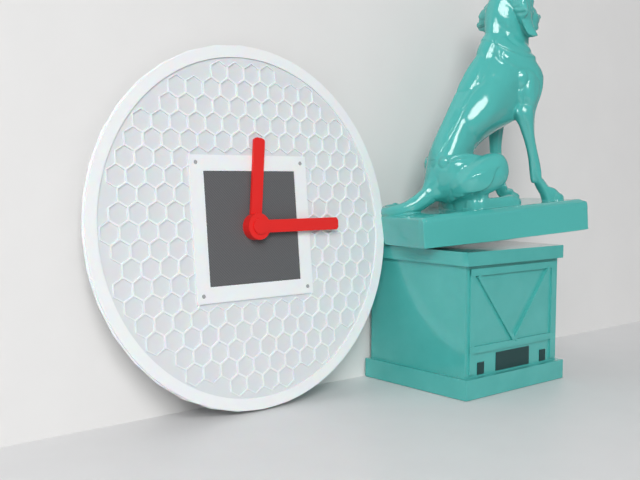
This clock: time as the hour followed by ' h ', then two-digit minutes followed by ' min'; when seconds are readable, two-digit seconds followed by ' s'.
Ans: 12 h 15 min
